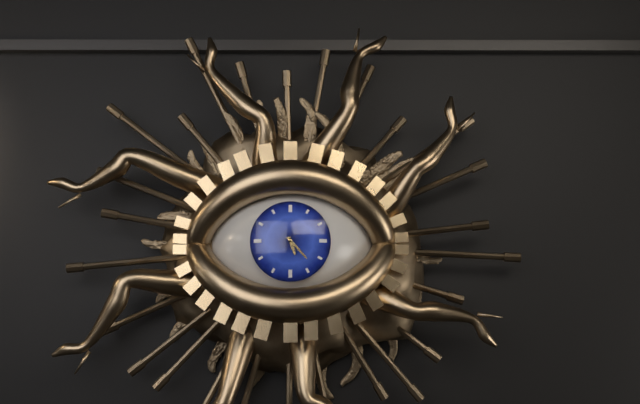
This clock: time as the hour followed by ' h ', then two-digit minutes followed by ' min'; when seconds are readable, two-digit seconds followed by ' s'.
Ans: 5 h 23 min
